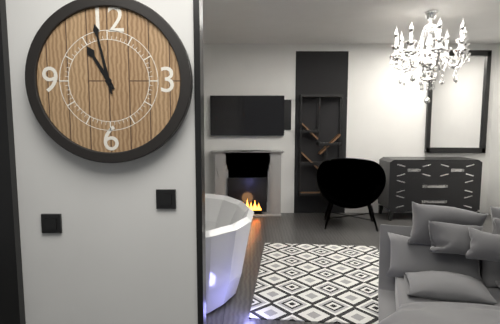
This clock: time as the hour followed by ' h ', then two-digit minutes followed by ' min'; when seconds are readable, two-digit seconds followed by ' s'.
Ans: 10 h 58 min
